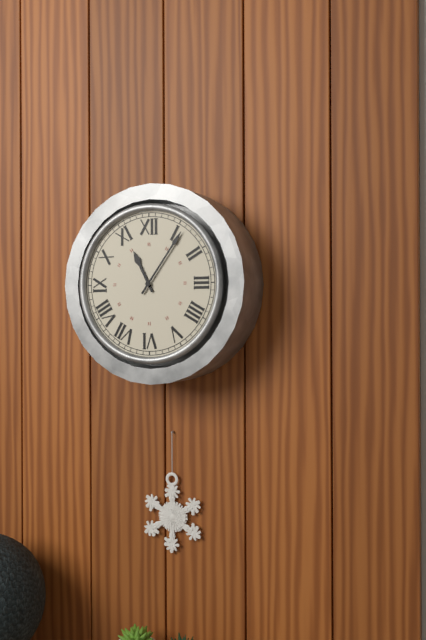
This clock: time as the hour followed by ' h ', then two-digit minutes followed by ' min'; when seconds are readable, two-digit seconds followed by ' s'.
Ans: 11 h 06 min
